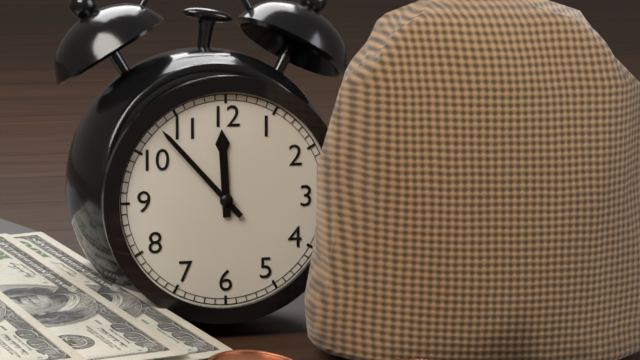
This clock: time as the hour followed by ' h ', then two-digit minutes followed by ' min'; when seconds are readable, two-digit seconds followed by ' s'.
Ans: 11 h 53 min
